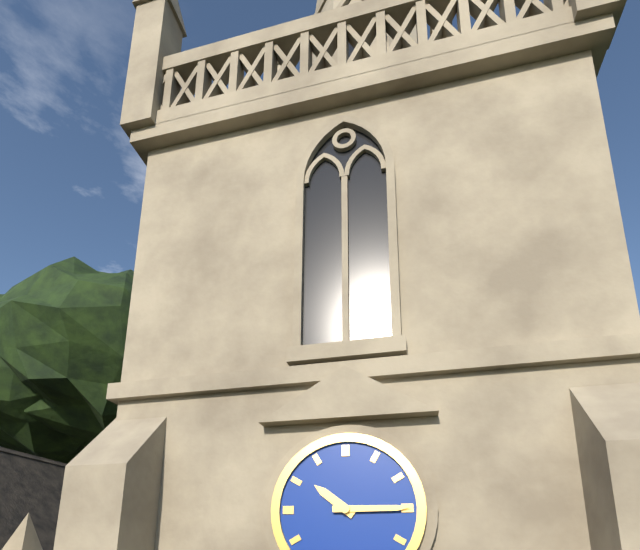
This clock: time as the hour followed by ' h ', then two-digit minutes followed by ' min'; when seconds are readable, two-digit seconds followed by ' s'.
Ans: 10 h 15 min
